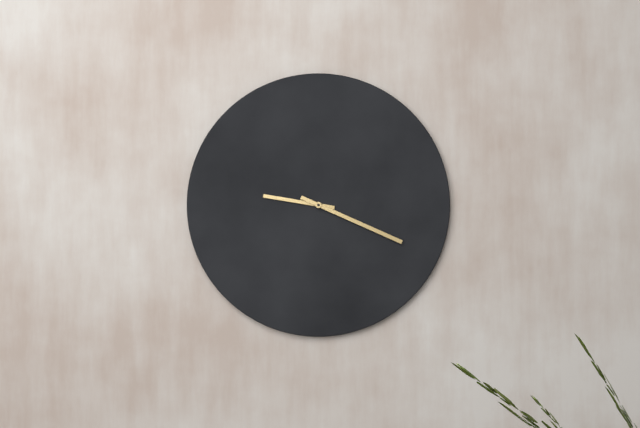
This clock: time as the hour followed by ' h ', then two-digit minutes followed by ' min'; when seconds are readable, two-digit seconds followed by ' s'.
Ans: 9 h 19 min
